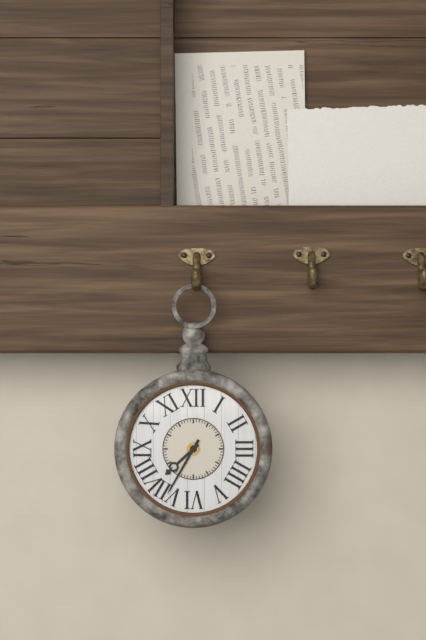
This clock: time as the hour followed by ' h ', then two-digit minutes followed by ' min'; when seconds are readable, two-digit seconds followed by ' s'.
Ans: 7 h 35 min
